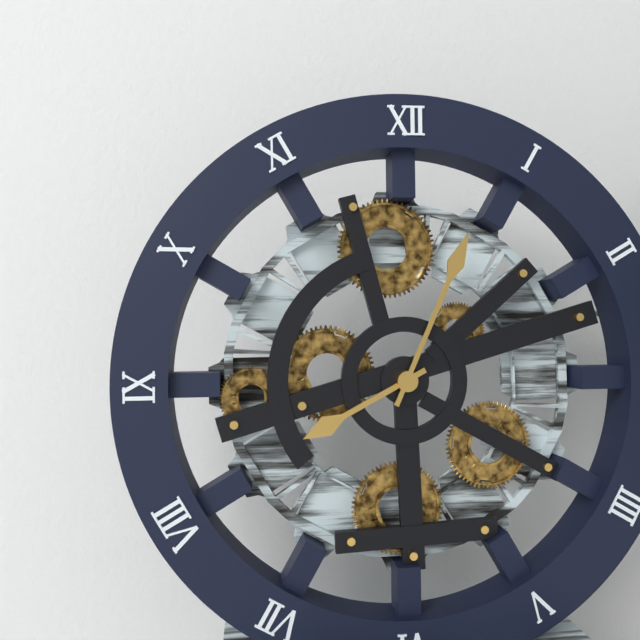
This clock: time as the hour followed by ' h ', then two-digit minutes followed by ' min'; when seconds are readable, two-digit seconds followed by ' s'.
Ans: 8 h 04 min
